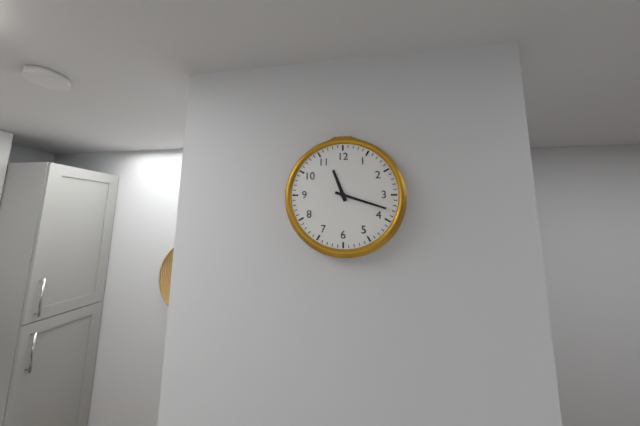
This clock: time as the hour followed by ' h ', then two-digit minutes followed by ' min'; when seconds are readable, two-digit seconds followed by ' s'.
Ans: 11 h 18 min
